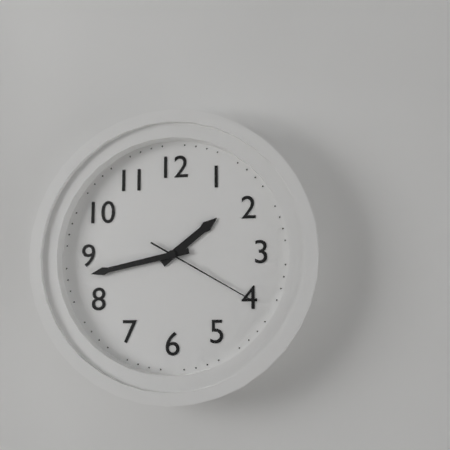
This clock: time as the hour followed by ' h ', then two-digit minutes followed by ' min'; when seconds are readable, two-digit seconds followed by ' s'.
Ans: 1 h 43 min 20 s
